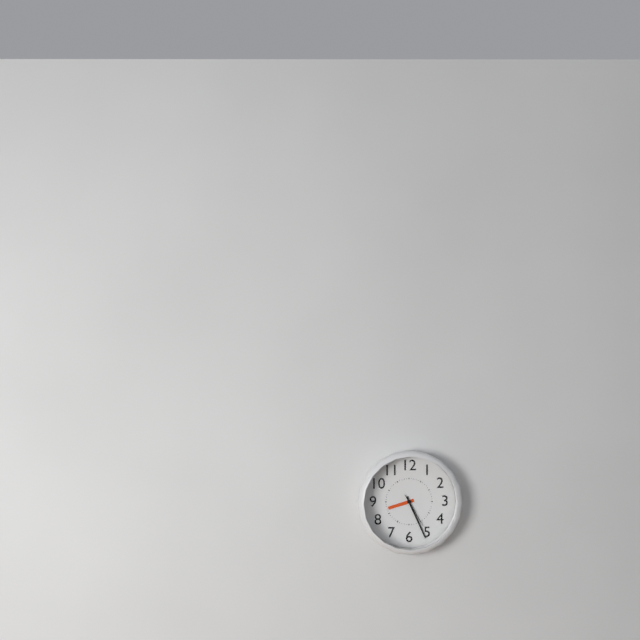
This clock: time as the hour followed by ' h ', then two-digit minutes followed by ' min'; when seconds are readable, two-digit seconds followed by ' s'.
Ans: 8 h 26 min
